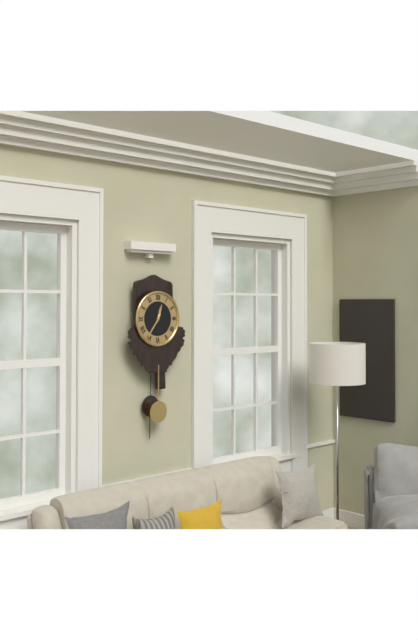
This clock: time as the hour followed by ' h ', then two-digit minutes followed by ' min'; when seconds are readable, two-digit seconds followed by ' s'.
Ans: 12 h 36 min
